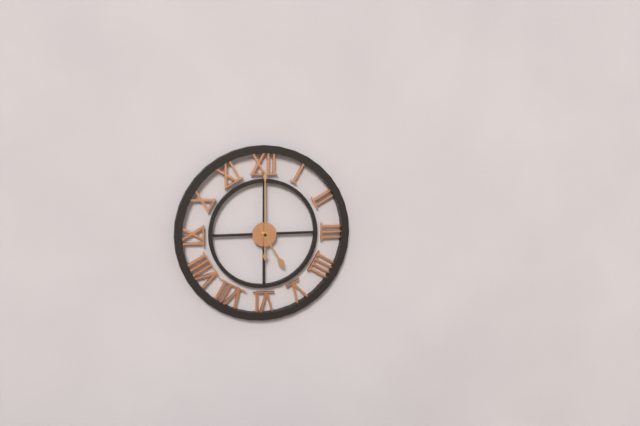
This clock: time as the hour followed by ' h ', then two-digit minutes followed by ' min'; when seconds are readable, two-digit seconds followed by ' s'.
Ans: 5 h 00 min
